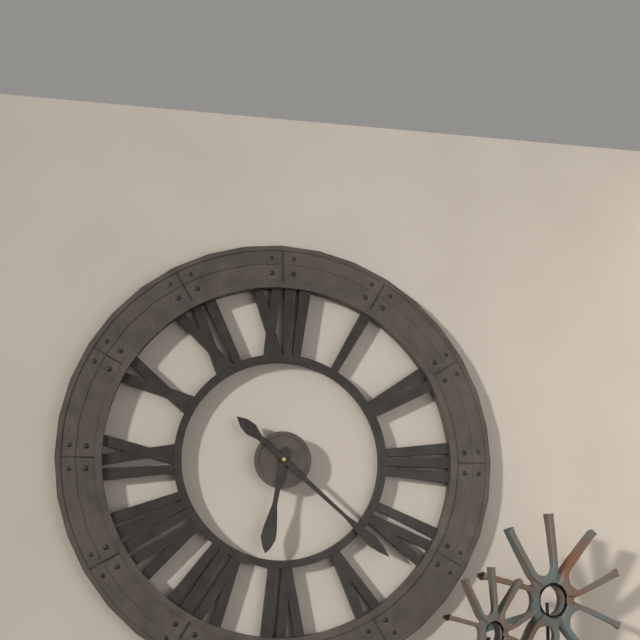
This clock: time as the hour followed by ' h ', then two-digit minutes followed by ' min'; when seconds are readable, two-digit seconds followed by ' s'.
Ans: 6 h 22 min
